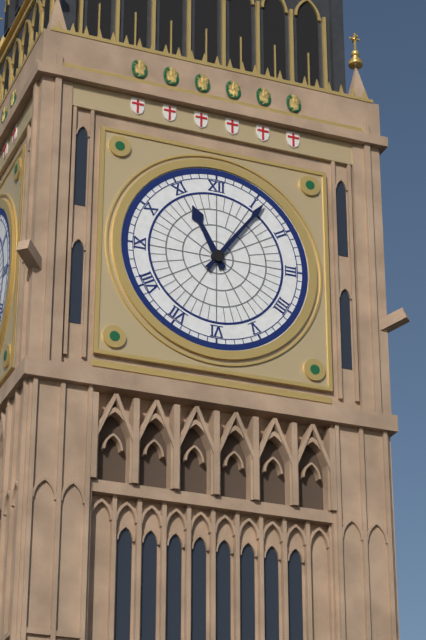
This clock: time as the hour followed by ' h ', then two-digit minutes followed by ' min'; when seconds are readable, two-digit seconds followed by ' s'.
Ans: 11 h 06 min
